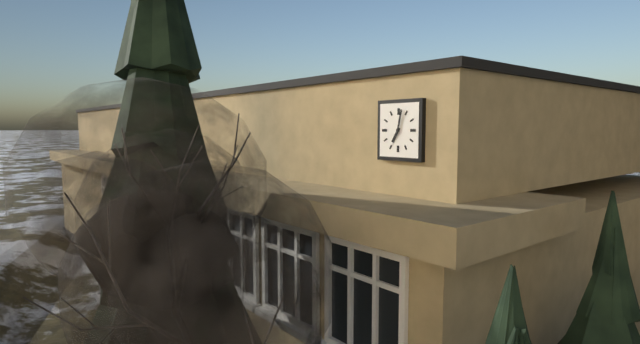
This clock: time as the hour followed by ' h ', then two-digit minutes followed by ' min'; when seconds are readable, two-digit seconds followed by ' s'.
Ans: 7 h 02 min
